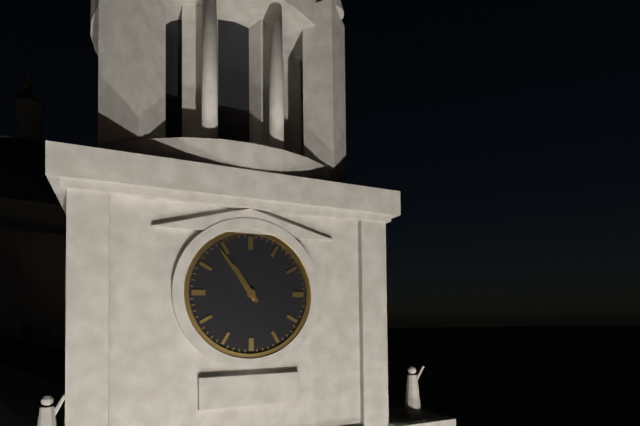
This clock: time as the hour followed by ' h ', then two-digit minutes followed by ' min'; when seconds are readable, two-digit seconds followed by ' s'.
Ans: 10 h 54 min
